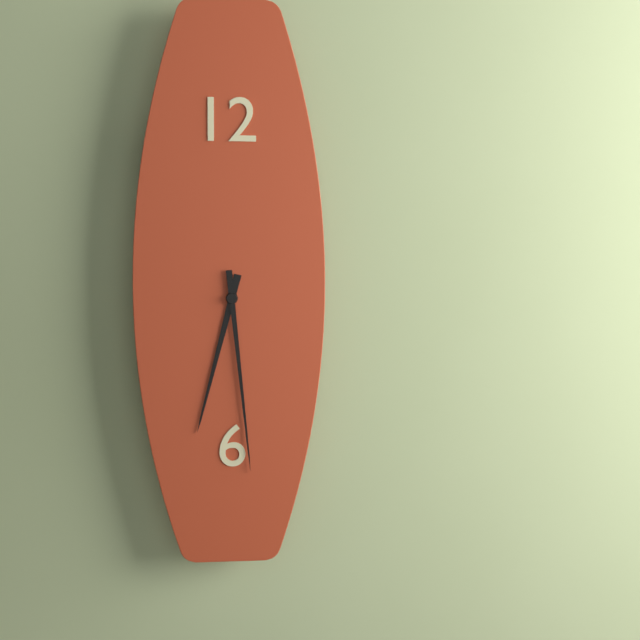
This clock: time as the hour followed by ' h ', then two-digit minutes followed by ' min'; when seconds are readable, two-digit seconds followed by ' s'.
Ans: 6 h 29 min
